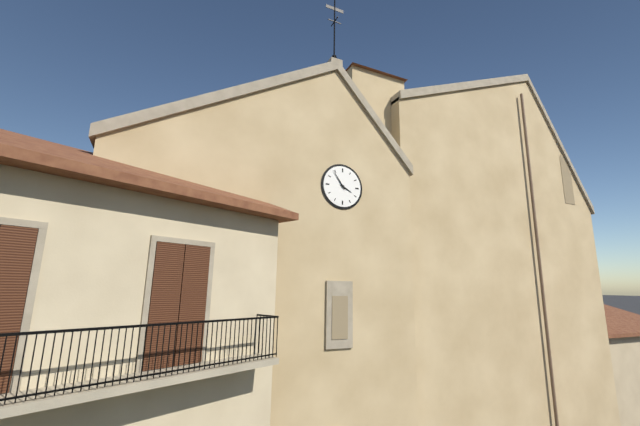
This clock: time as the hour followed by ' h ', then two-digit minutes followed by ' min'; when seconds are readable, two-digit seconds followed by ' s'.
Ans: 3 h 54 min
